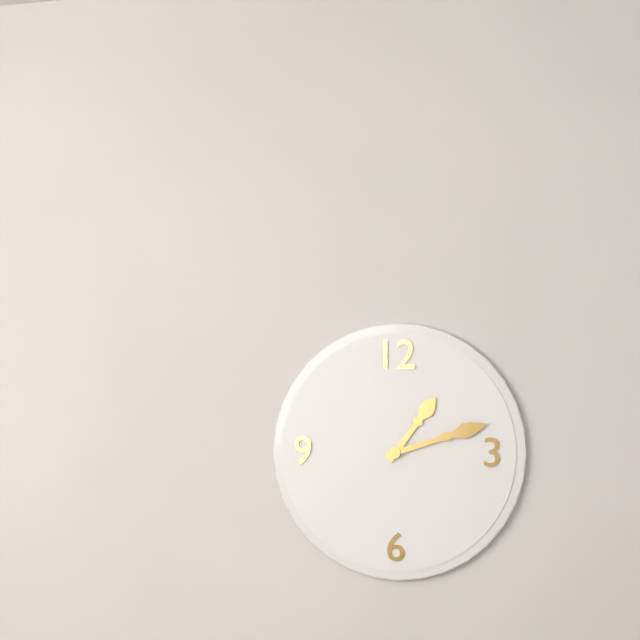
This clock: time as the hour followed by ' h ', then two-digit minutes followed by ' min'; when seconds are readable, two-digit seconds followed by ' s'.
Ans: 1 h 12 min
